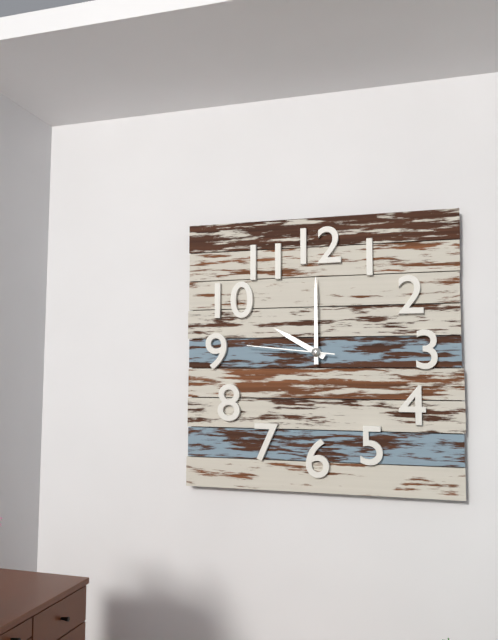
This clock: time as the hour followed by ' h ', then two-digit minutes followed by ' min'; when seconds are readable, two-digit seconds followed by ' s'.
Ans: 10 h 00 min 46 s
